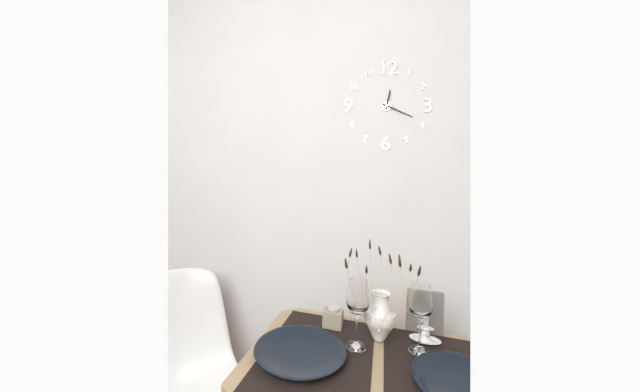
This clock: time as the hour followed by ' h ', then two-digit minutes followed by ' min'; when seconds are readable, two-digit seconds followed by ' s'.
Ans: 12 h 19 min
